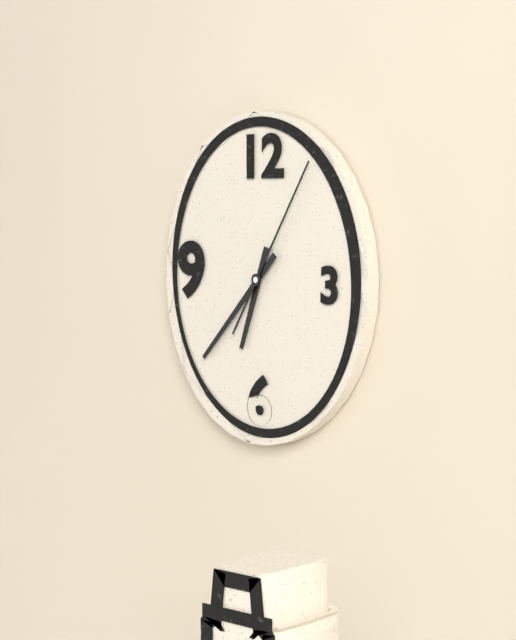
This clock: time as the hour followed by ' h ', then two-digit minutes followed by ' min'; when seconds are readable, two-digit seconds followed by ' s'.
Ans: 6 h 37 min 05 s
